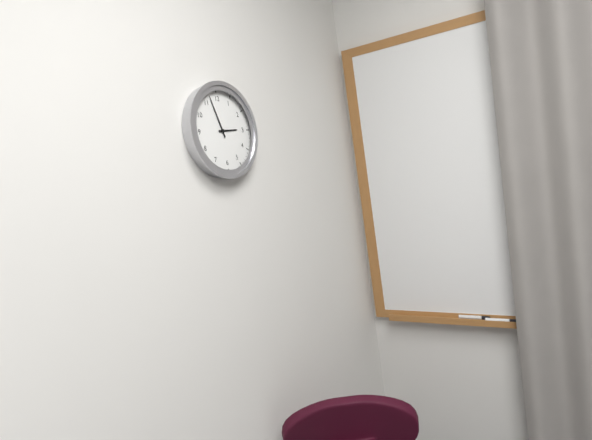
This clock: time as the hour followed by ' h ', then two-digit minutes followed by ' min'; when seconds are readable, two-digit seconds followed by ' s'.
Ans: 2 h 57 min
